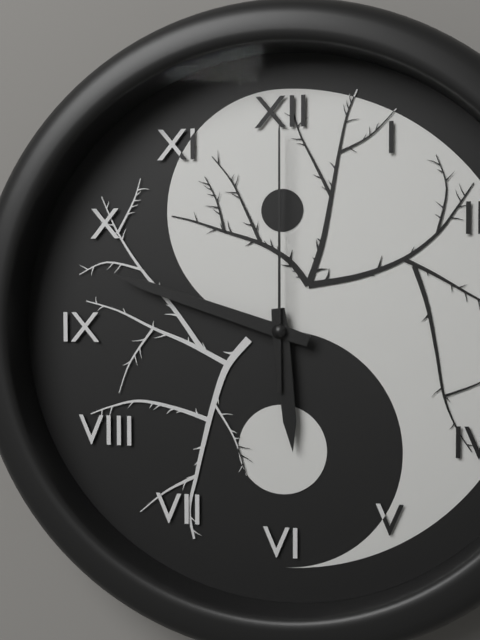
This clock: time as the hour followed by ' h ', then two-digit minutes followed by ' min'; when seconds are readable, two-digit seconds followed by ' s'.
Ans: 5 h 48 min 00 s
